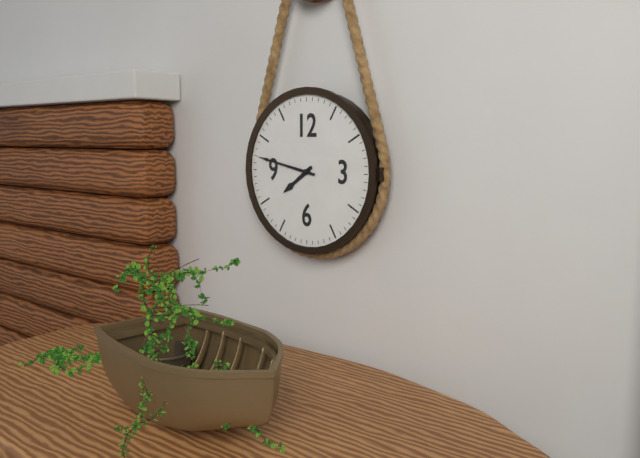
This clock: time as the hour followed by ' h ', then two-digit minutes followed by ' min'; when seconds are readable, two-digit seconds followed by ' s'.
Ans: 7 h 47 min
